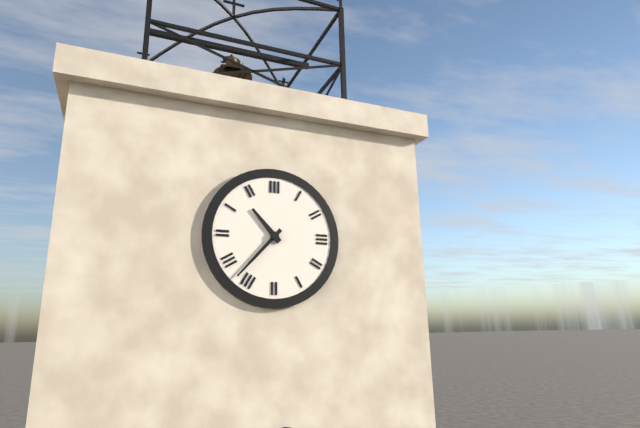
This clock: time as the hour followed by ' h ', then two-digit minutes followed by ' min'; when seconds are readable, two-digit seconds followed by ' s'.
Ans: 10 h 37 min
